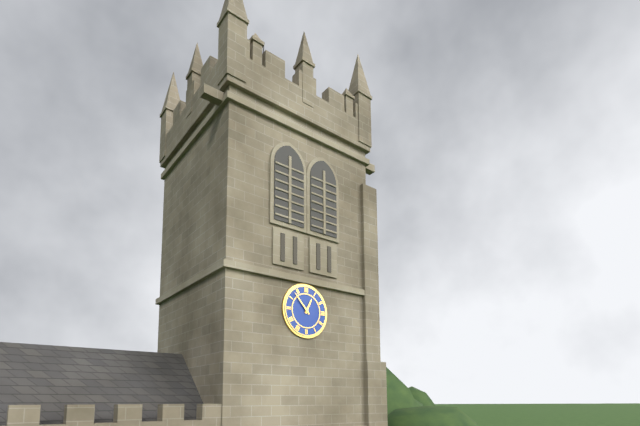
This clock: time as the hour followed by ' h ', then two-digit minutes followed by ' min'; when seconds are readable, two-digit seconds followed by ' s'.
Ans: 12 h 53 min
